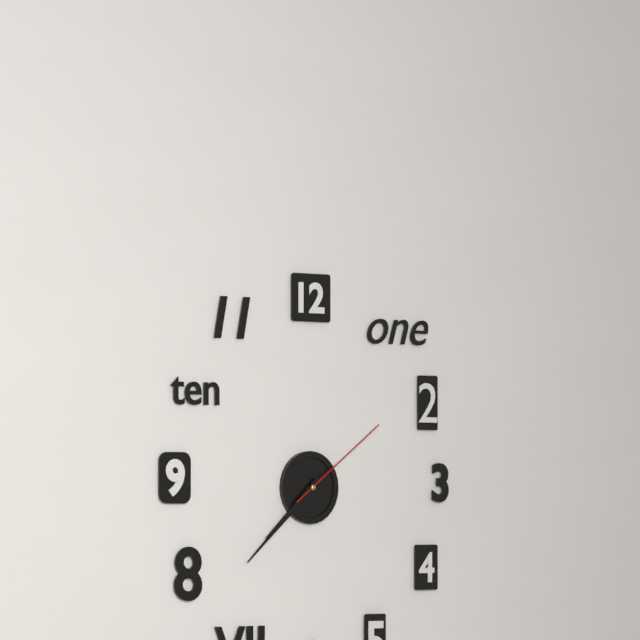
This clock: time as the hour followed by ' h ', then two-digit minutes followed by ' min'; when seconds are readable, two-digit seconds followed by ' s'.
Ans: 7 h 38 min 09 s
